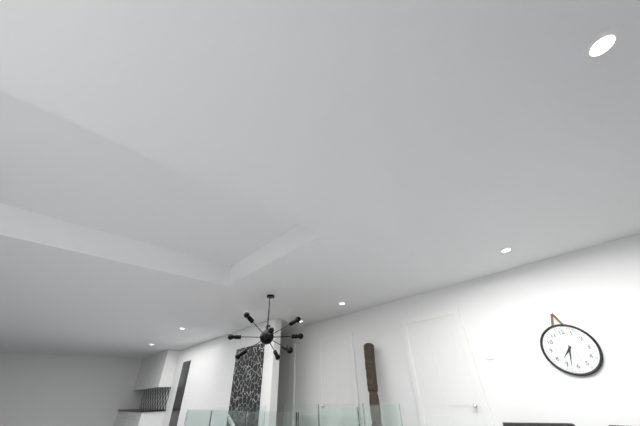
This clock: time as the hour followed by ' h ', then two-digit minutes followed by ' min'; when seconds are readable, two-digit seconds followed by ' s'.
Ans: 7 h 33 min
